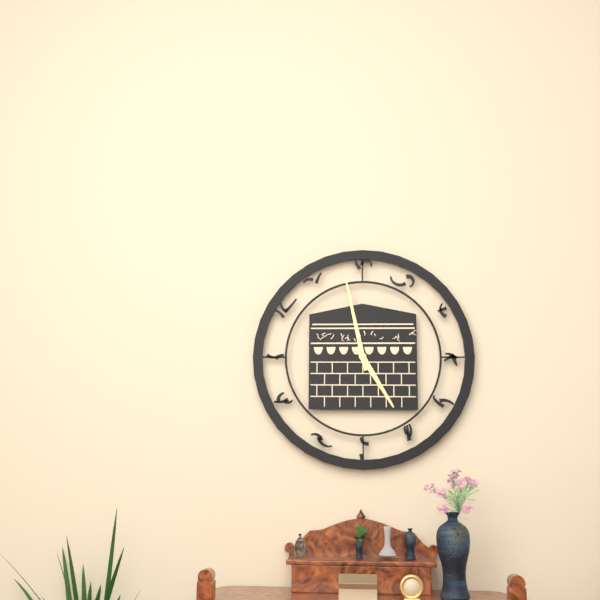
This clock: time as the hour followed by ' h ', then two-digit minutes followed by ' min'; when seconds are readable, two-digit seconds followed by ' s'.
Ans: 4 h 58 min
